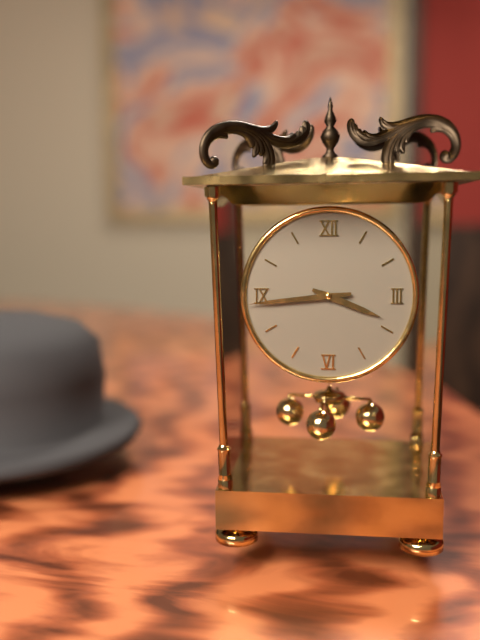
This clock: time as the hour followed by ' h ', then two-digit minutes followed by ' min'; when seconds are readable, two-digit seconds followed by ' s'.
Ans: 3 h 44 min
